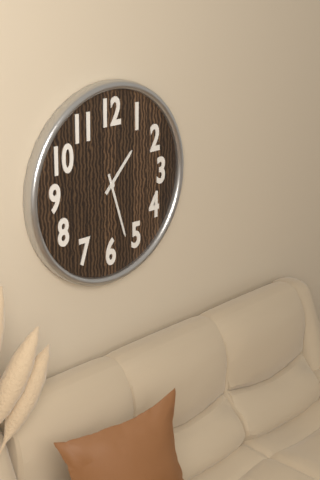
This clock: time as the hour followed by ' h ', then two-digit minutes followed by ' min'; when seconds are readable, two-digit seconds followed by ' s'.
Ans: 1 h 27 min
